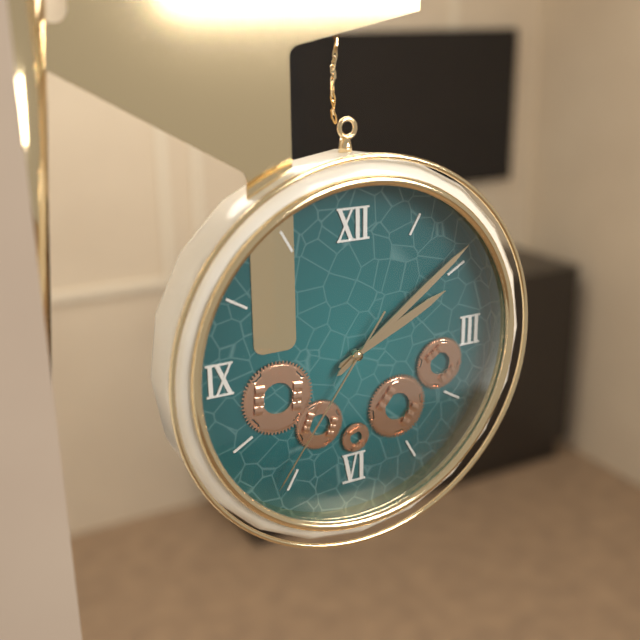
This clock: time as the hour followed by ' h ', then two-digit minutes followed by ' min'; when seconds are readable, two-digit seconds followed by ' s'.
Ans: 2 h 09 min 36 s
